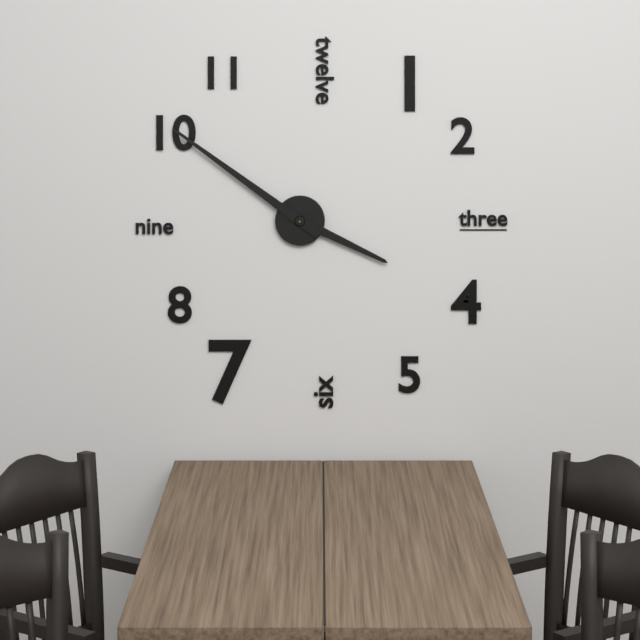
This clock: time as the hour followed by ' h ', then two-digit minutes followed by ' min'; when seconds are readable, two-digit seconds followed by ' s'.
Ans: 3 h 51 min
